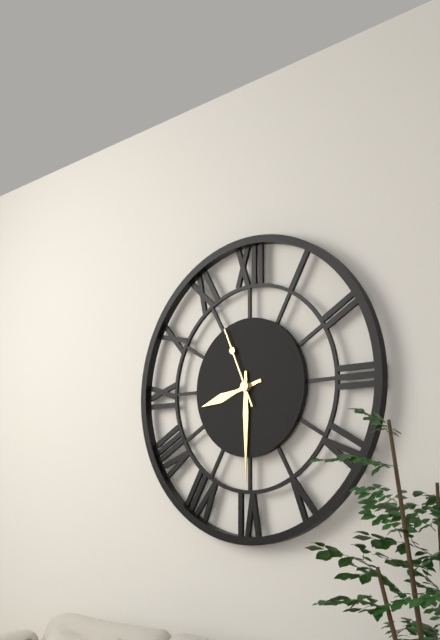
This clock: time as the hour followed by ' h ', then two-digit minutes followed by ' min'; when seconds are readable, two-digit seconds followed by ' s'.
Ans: 8 h 30 min 56 s
